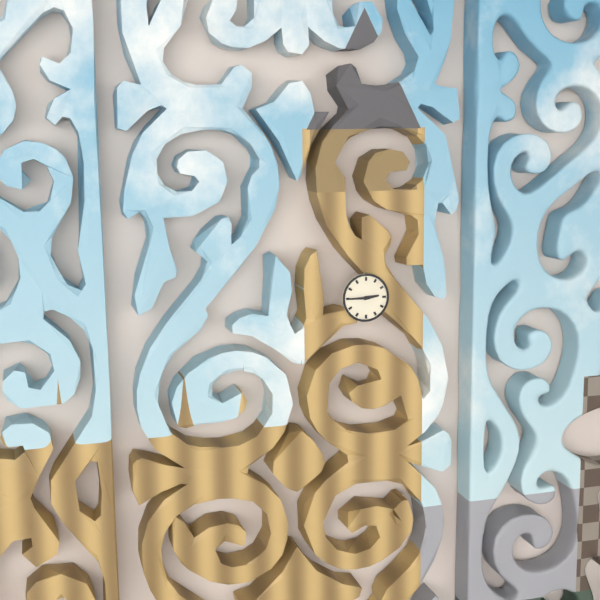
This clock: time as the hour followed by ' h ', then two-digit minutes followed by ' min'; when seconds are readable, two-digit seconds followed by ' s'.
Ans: 2 h 45 min
